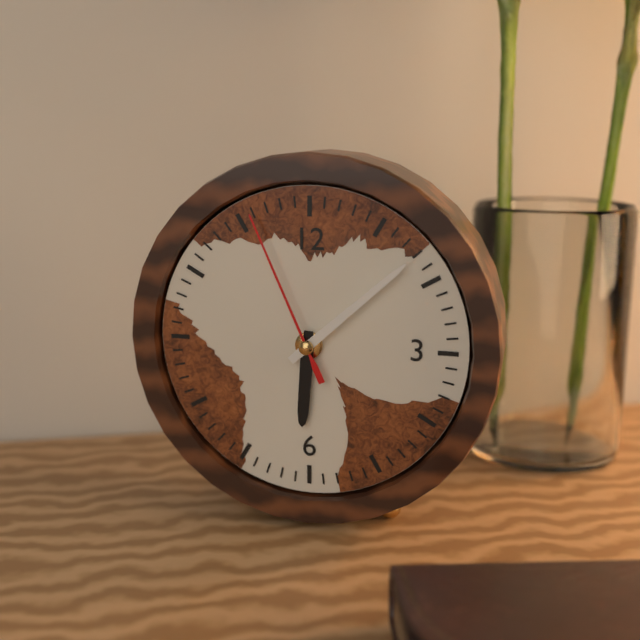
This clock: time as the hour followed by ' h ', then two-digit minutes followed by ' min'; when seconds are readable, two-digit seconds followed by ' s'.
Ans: 6 h 08 min 56 s
